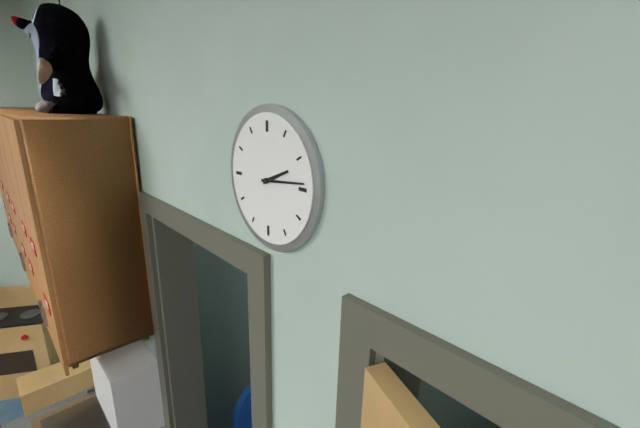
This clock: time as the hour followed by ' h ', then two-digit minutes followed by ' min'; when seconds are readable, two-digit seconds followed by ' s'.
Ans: 2 h 14 min
